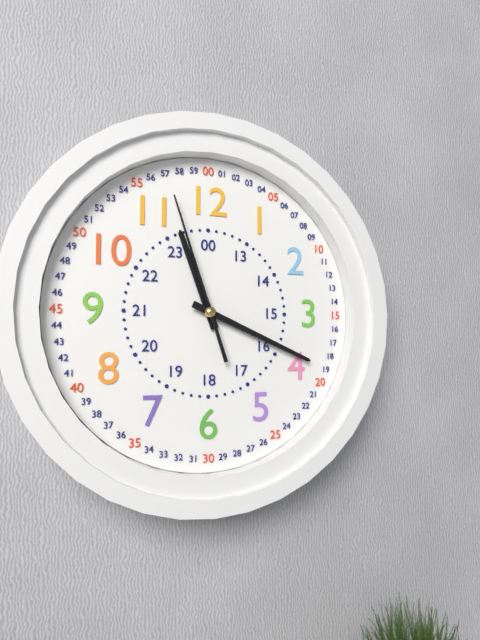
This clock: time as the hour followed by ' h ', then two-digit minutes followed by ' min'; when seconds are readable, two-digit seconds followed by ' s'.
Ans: 11 h 19 min 57 s
